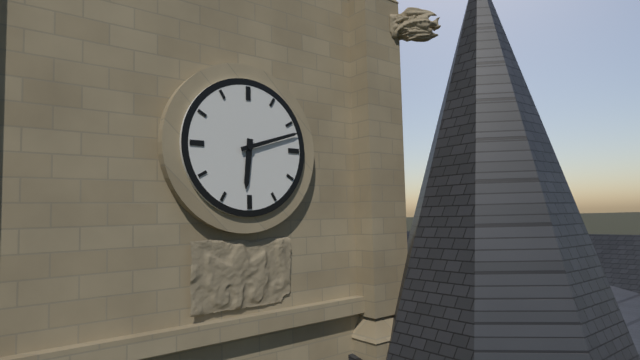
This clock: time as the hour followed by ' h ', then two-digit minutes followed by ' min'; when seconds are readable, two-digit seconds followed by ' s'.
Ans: 6 h 12 min
